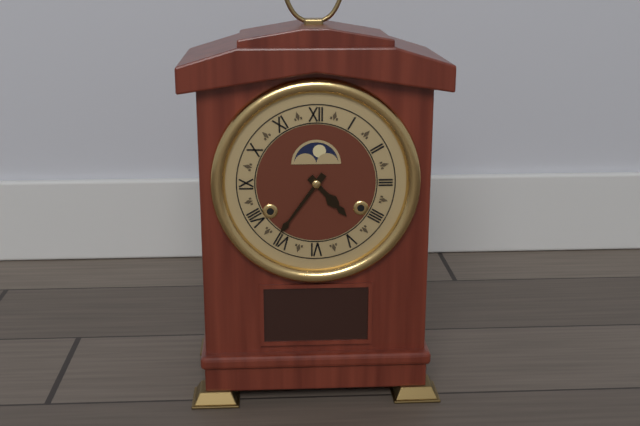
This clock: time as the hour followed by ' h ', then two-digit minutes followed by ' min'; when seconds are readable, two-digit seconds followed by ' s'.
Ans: 4 h 36 min
